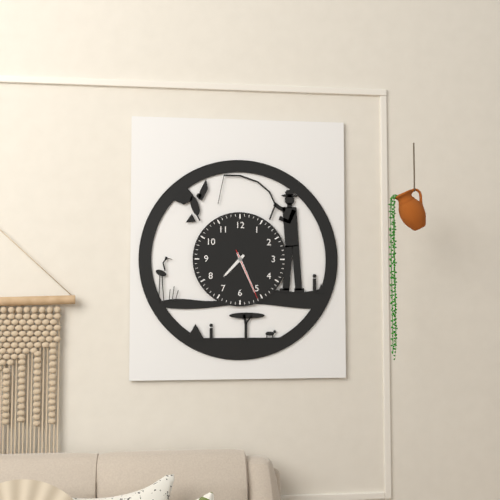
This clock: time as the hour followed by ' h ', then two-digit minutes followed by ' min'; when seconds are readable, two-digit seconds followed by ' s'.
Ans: 7 h 26 min 26 s
